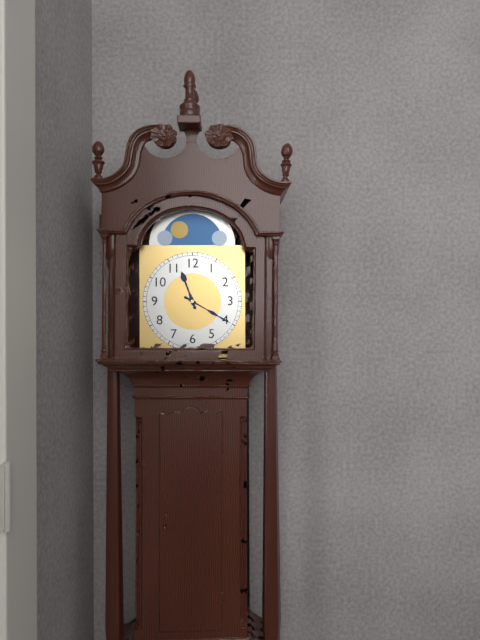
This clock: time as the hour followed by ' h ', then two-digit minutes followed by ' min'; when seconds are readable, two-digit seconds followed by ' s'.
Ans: 11 h 20 min
